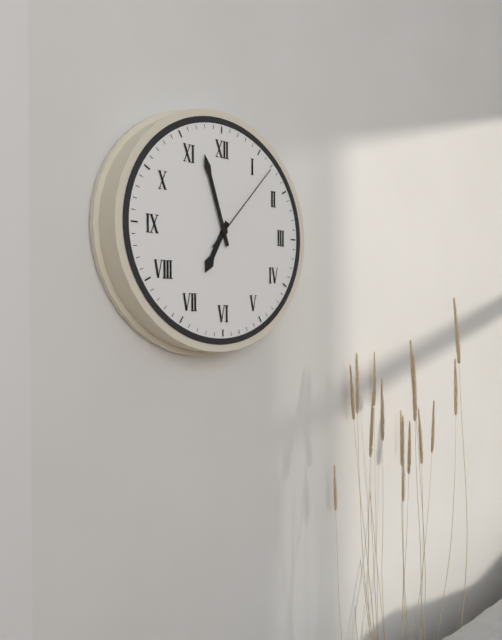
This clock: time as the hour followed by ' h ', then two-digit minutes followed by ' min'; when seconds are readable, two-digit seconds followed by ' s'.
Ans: 6 h 57 min 07 s
